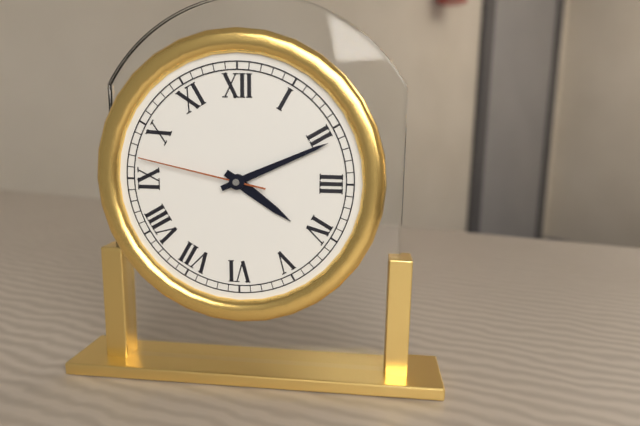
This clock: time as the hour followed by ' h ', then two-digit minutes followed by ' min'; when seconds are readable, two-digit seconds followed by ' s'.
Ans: 4 h 11 min 47 s
